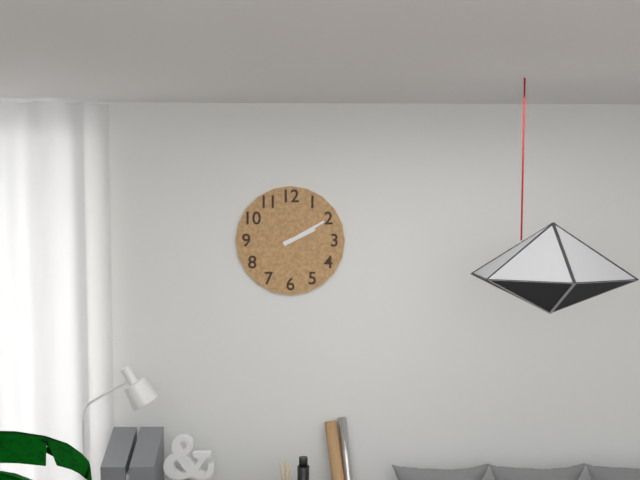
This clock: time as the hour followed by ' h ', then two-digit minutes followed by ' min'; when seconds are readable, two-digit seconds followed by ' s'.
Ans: 2 h 10 min
